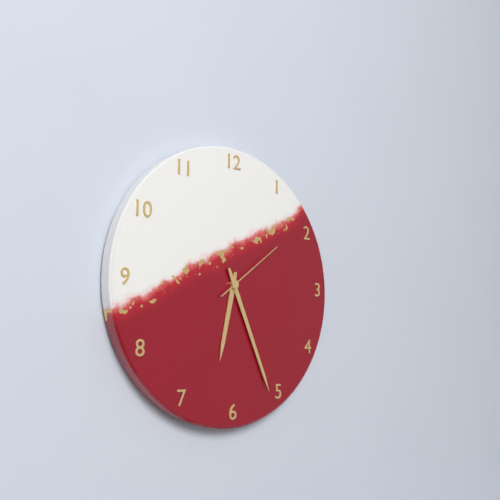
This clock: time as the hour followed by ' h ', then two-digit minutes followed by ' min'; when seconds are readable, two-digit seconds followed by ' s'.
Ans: 6 h 26 min 09 s
